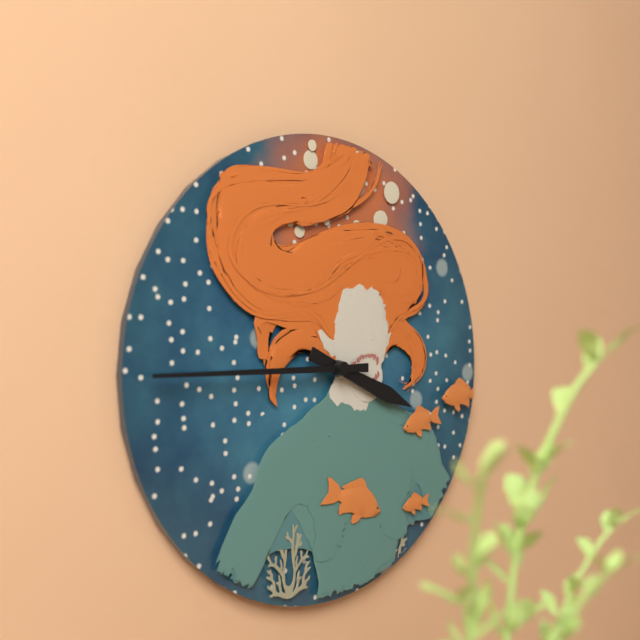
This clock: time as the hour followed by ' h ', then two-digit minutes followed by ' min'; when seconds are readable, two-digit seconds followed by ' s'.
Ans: 3 h 45 min
